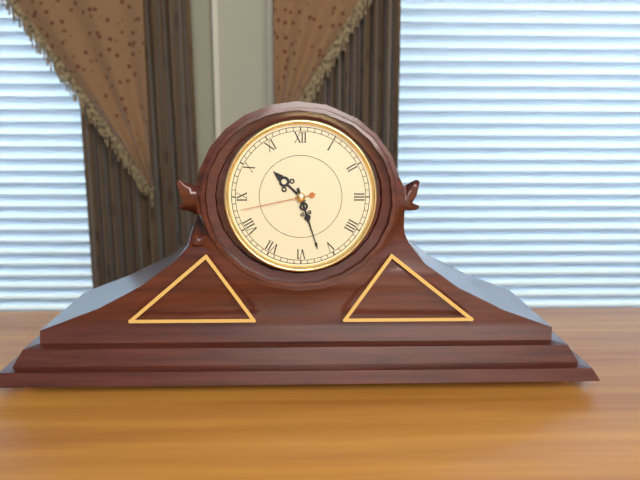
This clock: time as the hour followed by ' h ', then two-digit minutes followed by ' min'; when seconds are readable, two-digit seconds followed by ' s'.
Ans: 10 h 27 min 43 s
